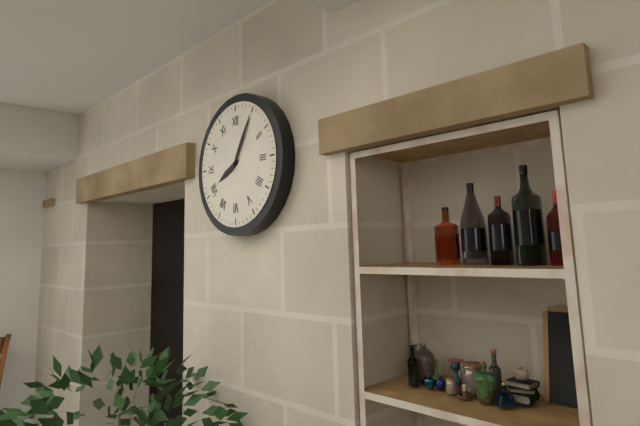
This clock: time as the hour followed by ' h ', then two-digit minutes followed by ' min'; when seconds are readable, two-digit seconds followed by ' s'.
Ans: 8 h 05 min
